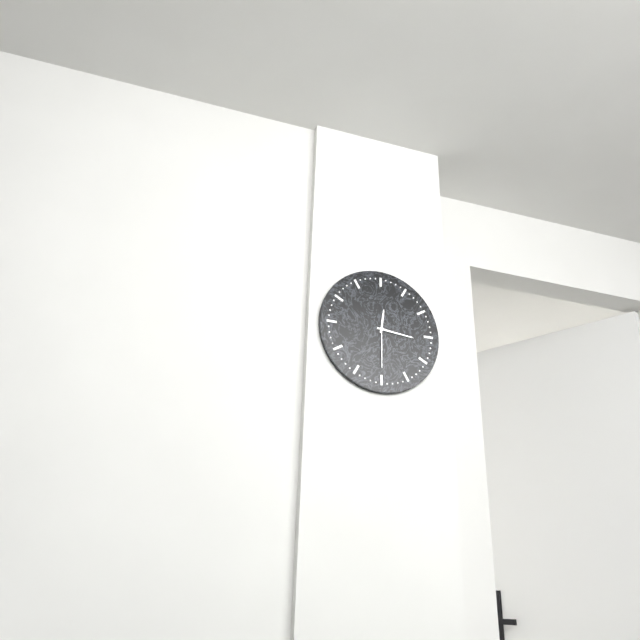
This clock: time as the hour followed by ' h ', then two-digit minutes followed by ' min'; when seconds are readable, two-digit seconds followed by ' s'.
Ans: 12 h 16 min
